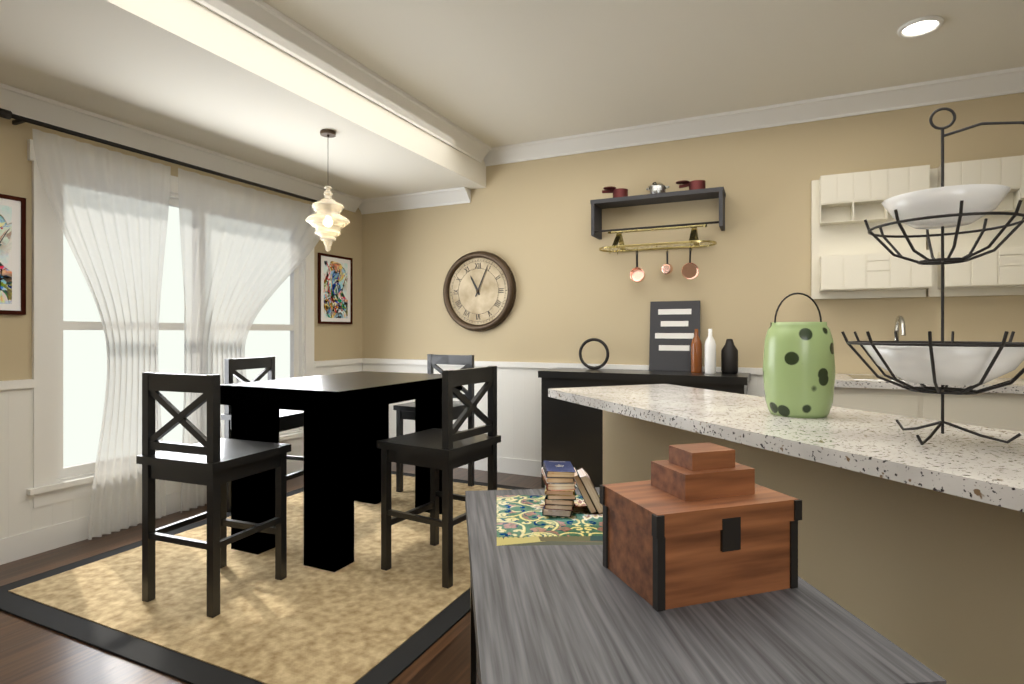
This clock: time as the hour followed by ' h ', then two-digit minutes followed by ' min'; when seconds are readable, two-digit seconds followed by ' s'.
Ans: 11 h 04 min
